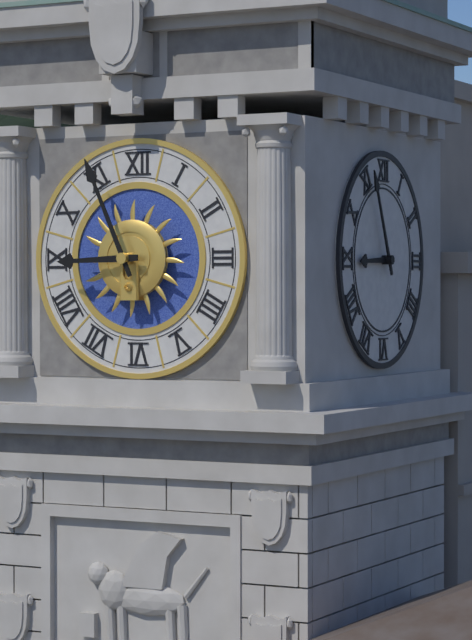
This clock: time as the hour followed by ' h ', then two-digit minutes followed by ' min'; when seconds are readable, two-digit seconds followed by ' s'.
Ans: 8 h 56 min
